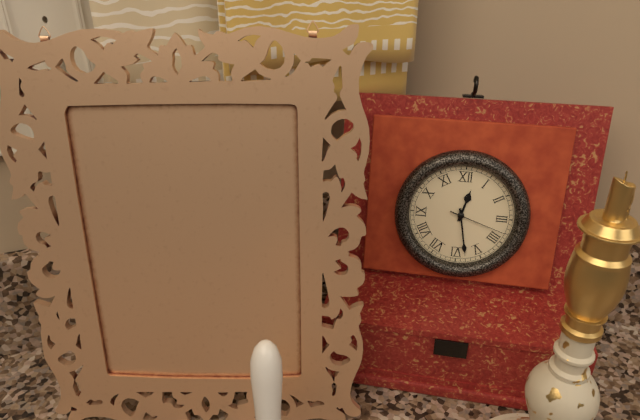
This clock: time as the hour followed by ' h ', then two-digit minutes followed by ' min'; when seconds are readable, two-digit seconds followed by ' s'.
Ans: 12 h 28 min 18 s
